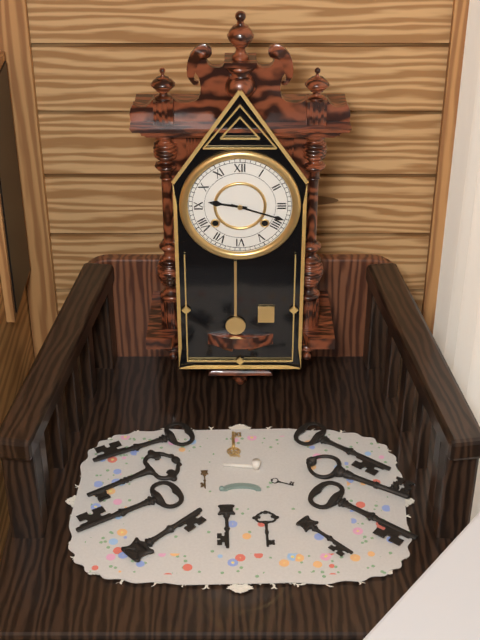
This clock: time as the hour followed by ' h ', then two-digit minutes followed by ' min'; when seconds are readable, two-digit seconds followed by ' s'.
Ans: 9 h 18 min
